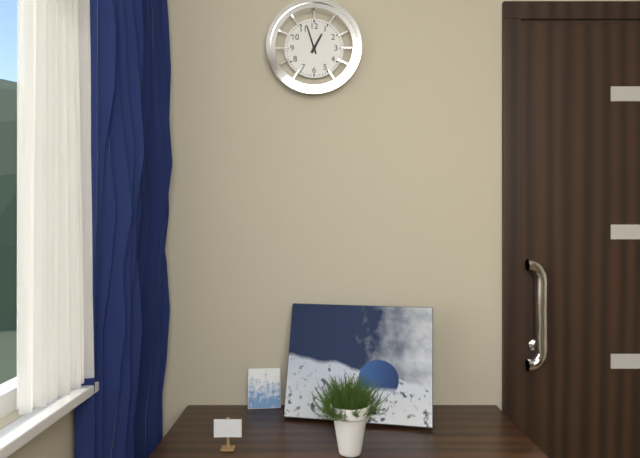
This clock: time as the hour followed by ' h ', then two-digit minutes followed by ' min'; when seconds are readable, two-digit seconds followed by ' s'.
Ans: 12 h 57 min
